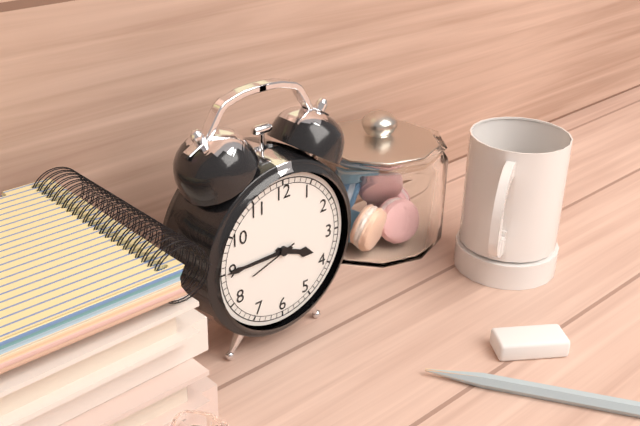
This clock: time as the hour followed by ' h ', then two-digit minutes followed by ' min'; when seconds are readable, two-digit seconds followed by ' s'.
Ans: 3 h 45 min
